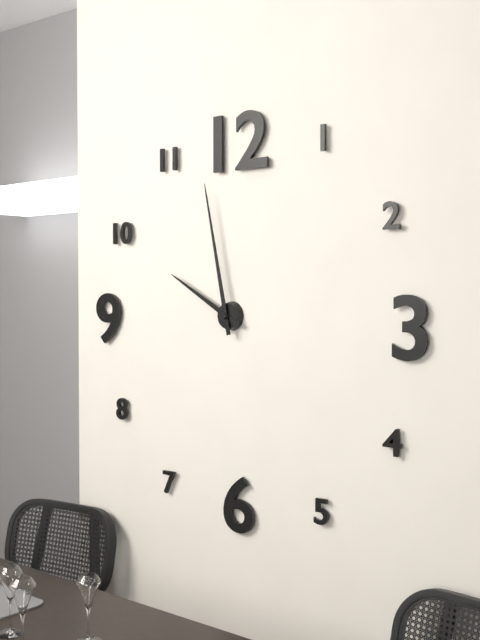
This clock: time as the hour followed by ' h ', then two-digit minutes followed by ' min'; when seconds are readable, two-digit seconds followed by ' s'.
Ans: 9 h 58 min
